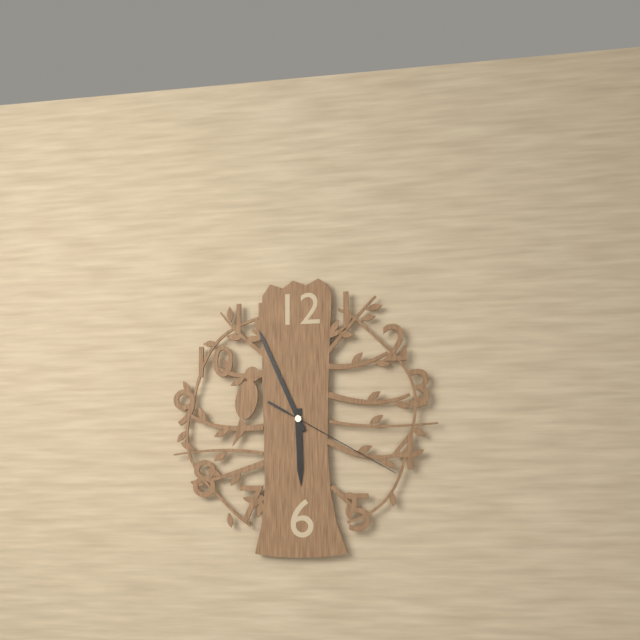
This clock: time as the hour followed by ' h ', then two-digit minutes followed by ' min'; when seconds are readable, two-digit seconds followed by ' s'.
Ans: 5 h 56 min 20 s
